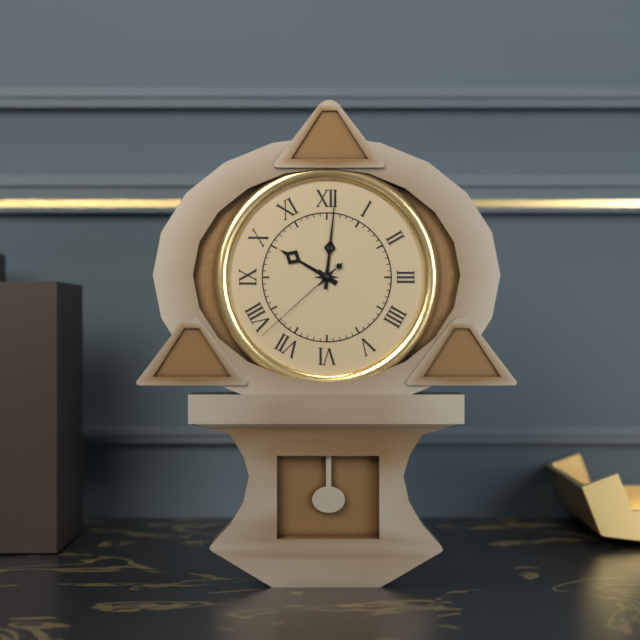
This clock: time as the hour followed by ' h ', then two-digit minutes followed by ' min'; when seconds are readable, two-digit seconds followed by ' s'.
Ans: 10 h 01 min 38 s
